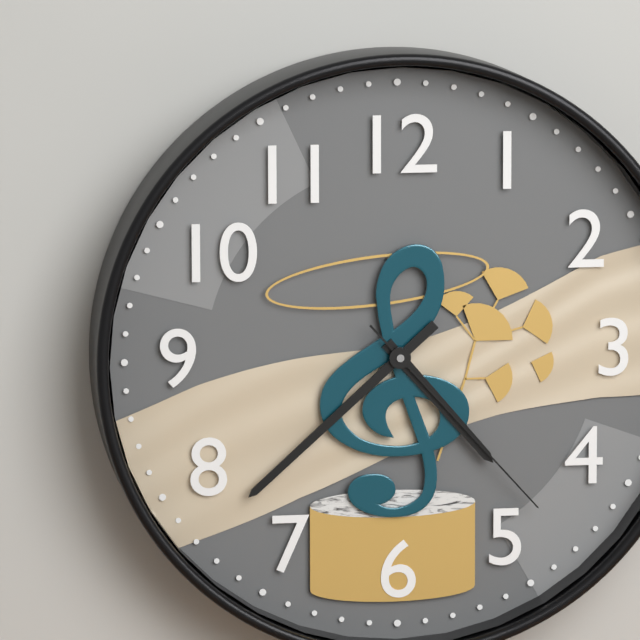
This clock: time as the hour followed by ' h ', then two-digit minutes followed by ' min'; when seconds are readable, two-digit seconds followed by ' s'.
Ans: 4 h 38 min 23 s
